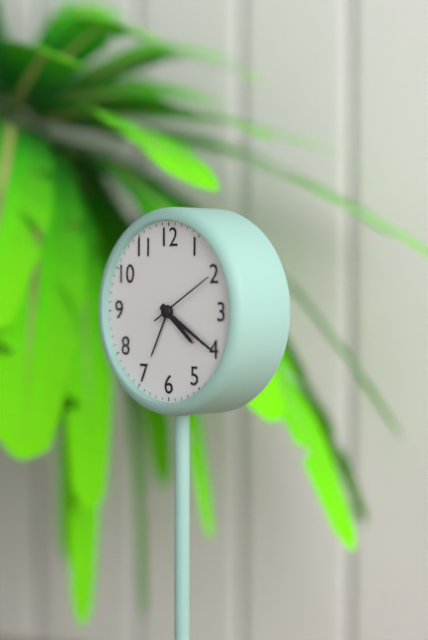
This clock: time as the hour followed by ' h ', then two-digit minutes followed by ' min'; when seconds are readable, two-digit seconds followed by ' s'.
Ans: 4 h 20 min 10 s
